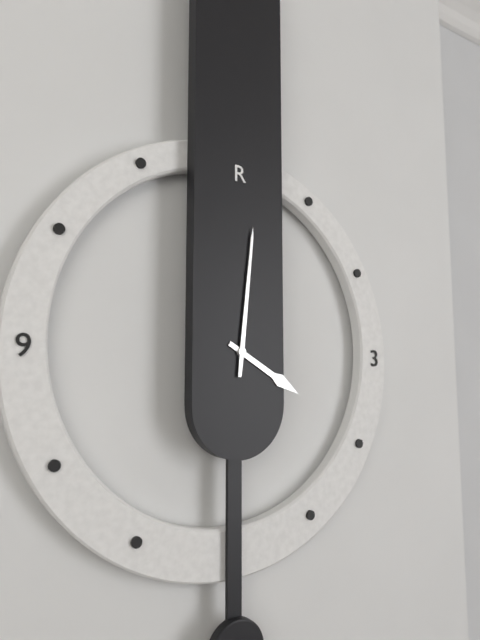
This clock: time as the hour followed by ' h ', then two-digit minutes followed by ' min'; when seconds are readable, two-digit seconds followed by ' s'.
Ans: 4 h 01 min
